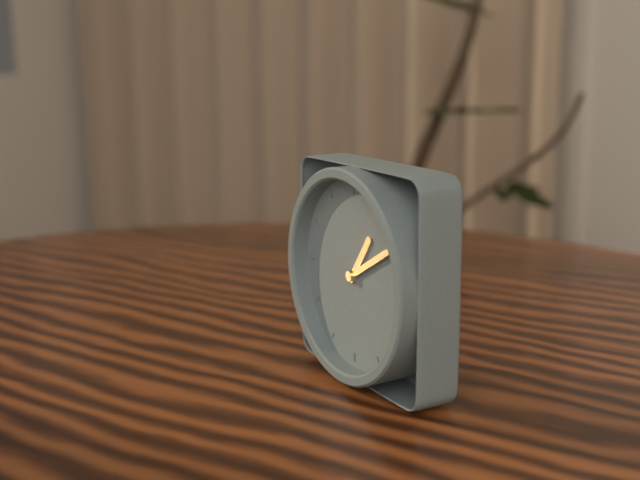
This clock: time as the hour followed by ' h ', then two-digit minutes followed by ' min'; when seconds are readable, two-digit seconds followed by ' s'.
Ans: 1 h 10 min
